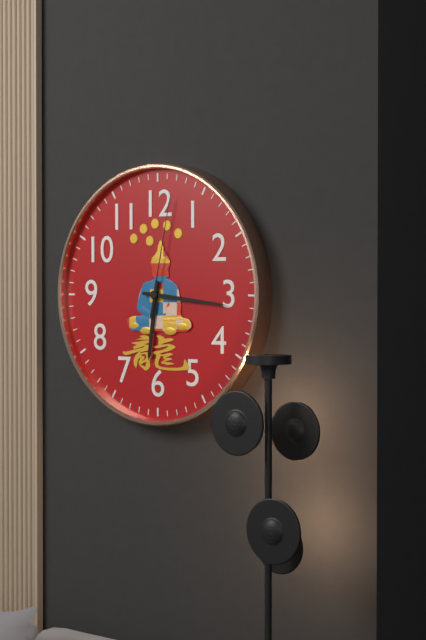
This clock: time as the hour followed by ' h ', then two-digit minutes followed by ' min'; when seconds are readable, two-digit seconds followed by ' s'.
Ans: 6 h 16 min 02 s
